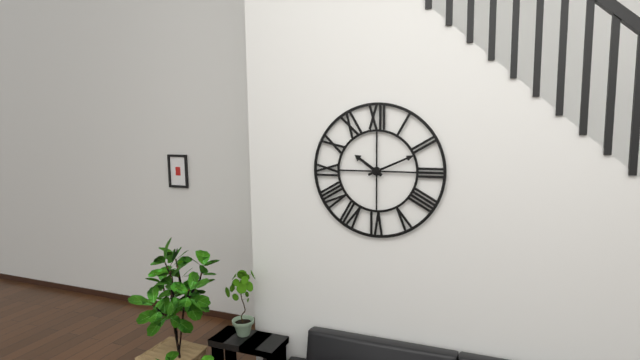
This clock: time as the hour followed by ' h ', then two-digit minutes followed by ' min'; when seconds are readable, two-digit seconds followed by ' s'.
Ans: 10 h 11 min
